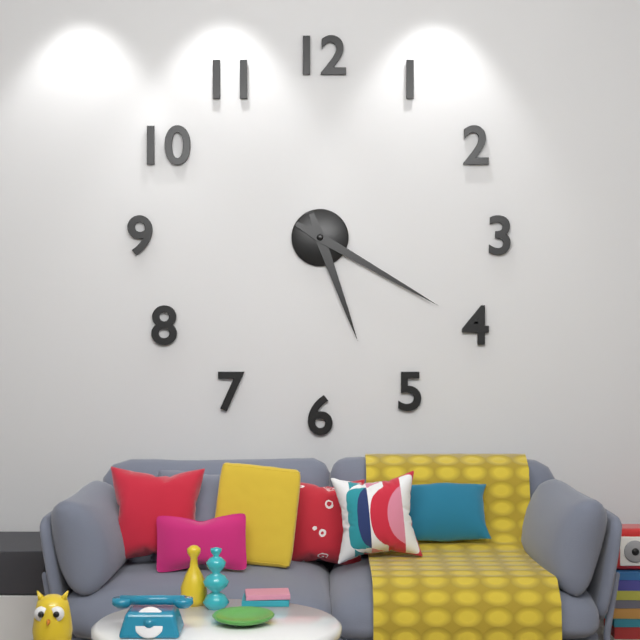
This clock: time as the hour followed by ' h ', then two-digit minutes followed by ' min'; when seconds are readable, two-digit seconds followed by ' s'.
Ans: 5 h 20 min
